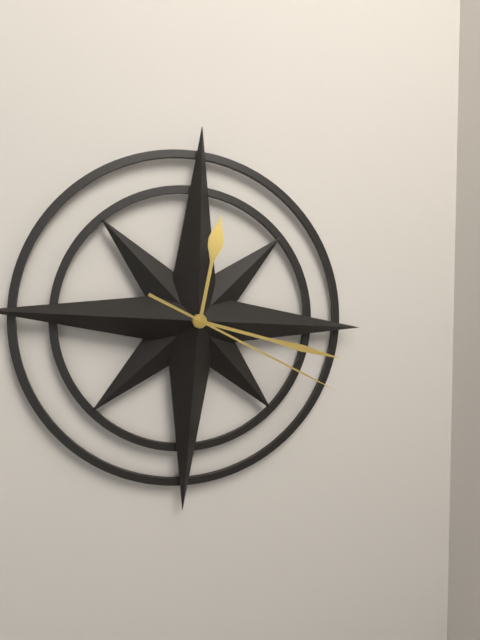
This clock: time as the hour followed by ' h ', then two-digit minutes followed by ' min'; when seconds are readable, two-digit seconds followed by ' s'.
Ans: 12 h 17 min 19 s
